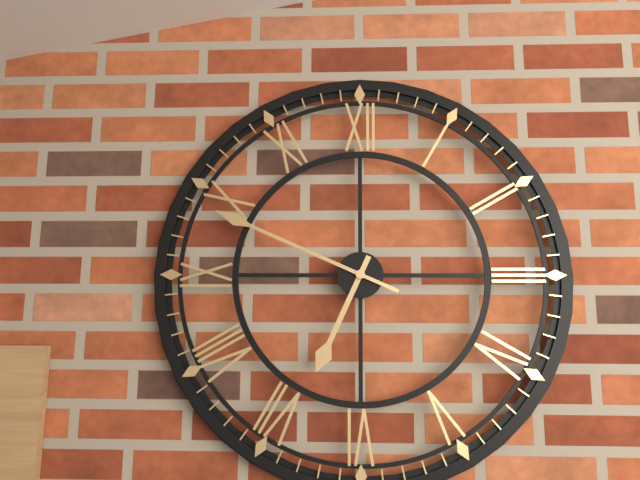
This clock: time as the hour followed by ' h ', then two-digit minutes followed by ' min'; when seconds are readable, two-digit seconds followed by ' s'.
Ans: 6 h 49 min
